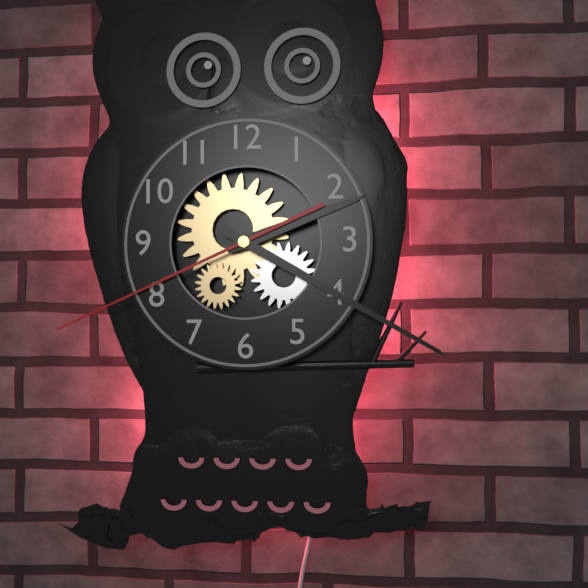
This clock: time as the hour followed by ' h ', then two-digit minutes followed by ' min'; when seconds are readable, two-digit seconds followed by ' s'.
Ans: 2 h 20 min 41 s
